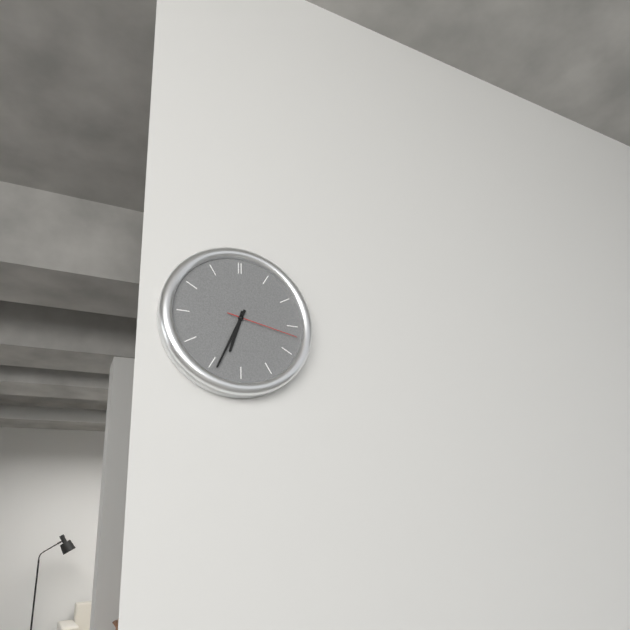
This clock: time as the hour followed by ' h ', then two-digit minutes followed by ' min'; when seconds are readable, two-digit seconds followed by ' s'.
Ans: 6 h 34 min 17 s
